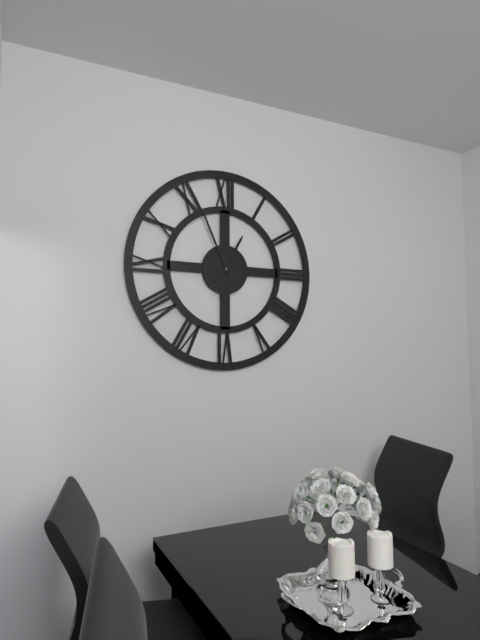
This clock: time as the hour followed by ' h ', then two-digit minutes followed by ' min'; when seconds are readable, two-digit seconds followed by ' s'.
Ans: 12 h 56 min
